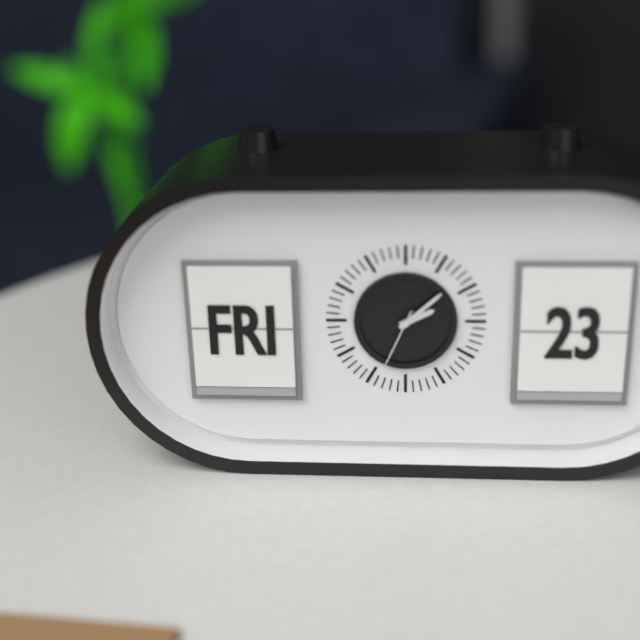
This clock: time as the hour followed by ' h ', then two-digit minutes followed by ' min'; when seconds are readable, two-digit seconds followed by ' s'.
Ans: 2 h 08 min 34 s
